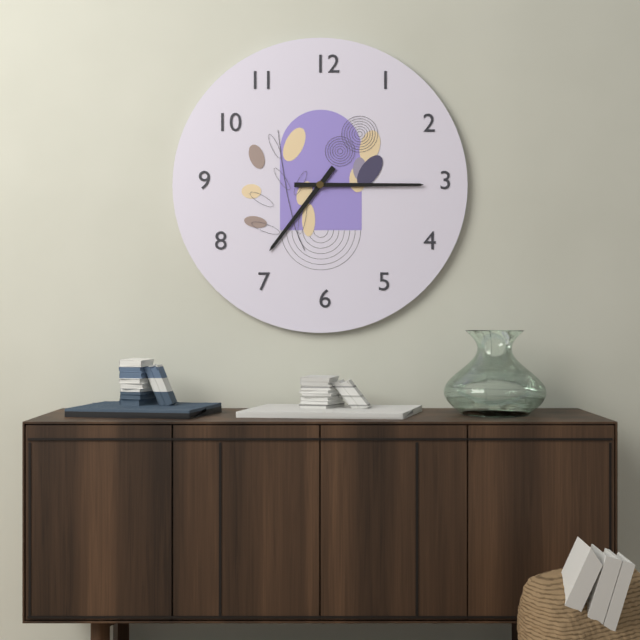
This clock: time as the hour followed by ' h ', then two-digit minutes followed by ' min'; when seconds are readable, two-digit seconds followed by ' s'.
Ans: 7 h 15 min
